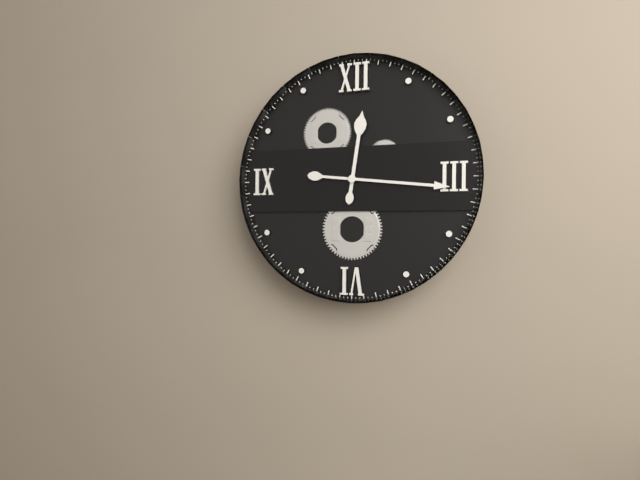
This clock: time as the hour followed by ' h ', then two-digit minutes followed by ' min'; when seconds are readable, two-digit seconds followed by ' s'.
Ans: 12 h 16 min
